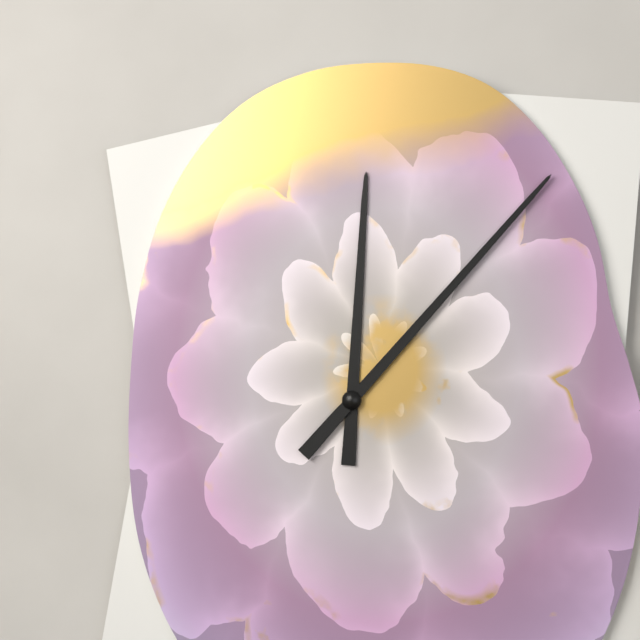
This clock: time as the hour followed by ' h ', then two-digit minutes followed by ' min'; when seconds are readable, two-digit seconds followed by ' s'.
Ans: 12 h 07 min
